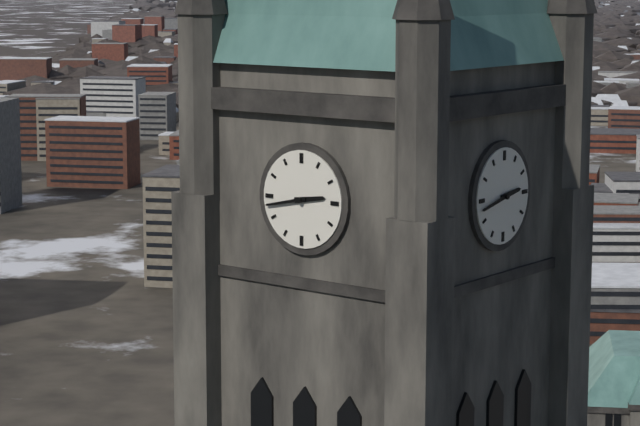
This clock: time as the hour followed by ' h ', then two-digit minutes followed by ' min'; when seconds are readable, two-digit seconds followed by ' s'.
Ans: 2 h 43 min
